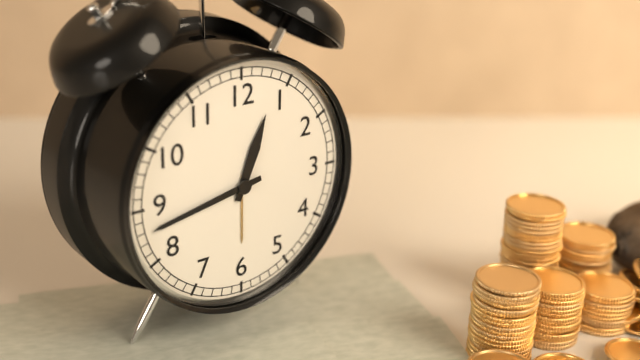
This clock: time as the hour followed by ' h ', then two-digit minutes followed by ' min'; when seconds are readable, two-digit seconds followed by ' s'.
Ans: 12 h 43 min
